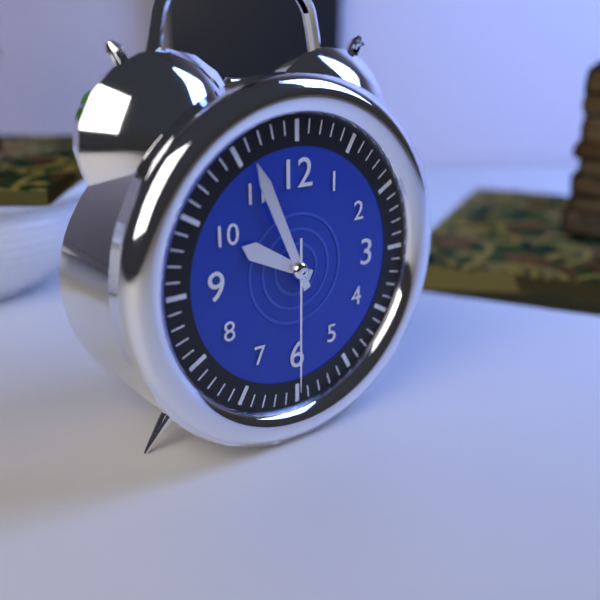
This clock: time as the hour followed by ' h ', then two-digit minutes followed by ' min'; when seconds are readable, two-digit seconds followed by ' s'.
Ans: 9 h 56 min 30 s
